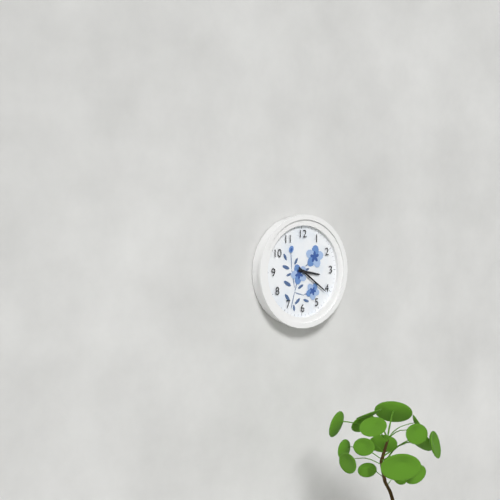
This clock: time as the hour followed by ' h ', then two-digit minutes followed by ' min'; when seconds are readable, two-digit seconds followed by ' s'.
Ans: 3 h 21 min
